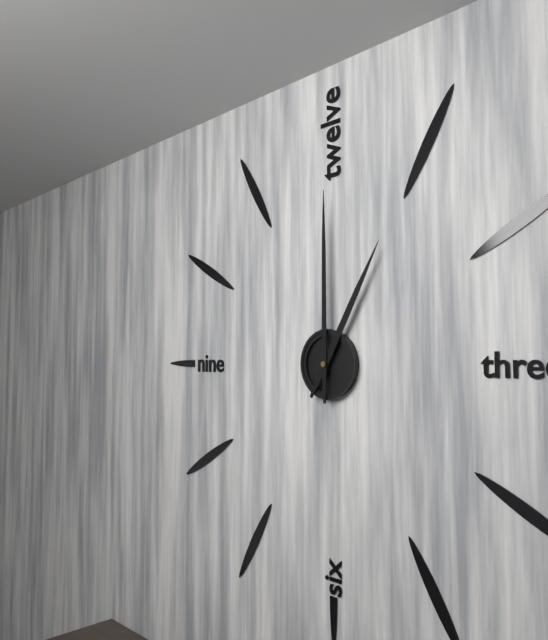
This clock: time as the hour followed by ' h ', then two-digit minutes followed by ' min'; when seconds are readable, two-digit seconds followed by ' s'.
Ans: 1 h 00 min
